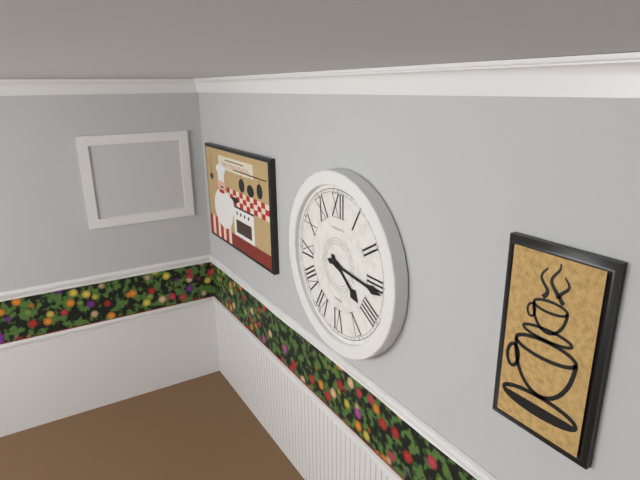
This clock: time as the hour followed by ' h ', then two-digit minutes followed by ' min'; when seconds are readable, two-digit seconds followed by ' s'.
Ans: 4 h 16 min
